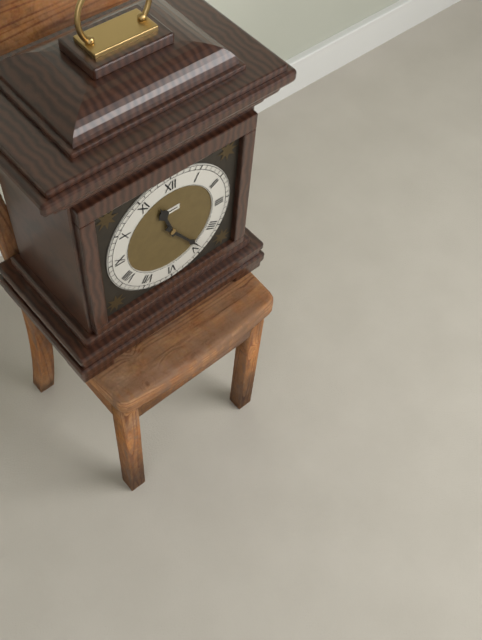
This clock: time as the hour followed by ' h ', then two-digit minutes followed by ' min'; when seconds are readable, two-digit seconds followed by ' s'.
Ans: 11 h 24 min
